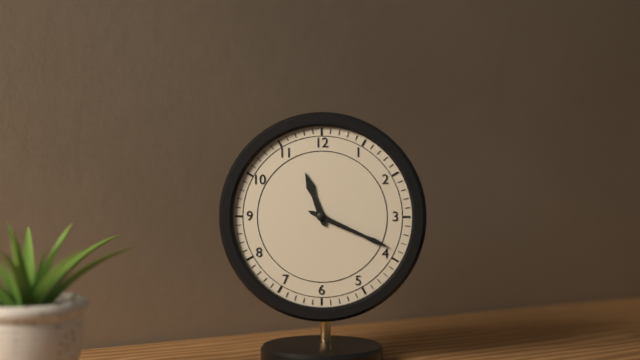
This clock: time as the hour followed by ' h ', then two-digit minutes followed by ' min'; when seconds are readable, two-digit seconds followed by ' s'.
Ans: 11 h 19 min
